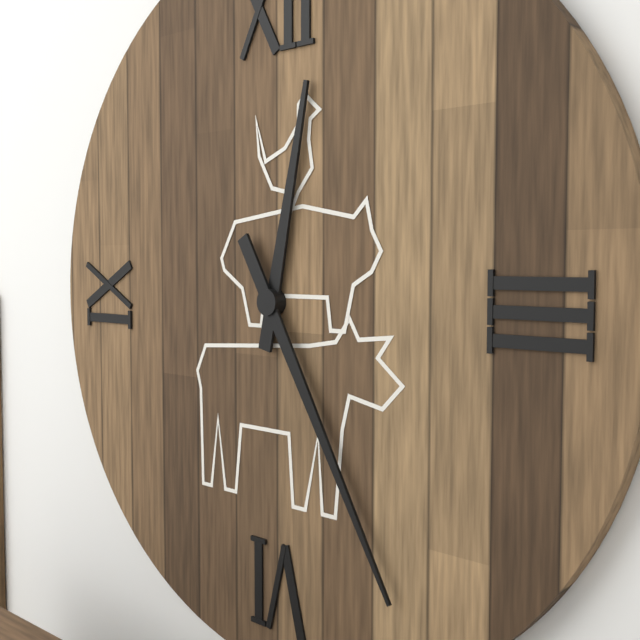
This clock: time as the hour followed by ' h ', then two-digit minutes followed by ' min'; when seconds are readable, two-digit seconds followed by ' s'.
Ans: 12 h 25 min
